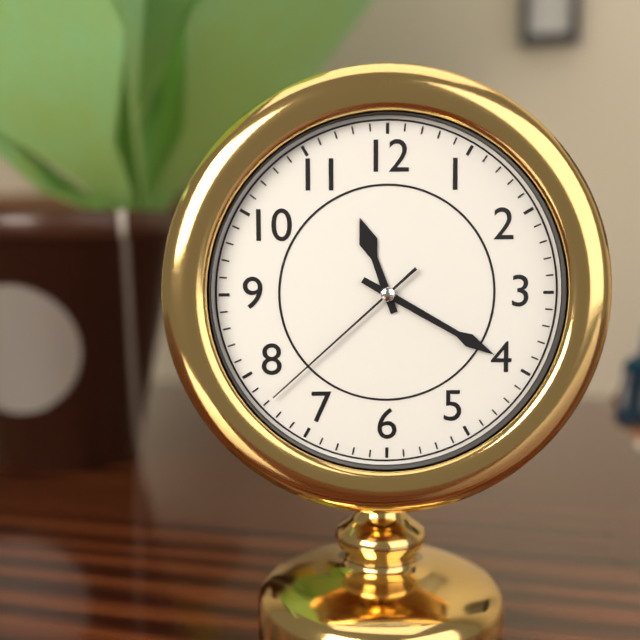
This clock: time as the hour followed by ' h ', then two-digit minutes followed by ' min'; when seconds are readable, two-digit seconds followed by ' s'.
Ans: 11 h 20 min 38 s
